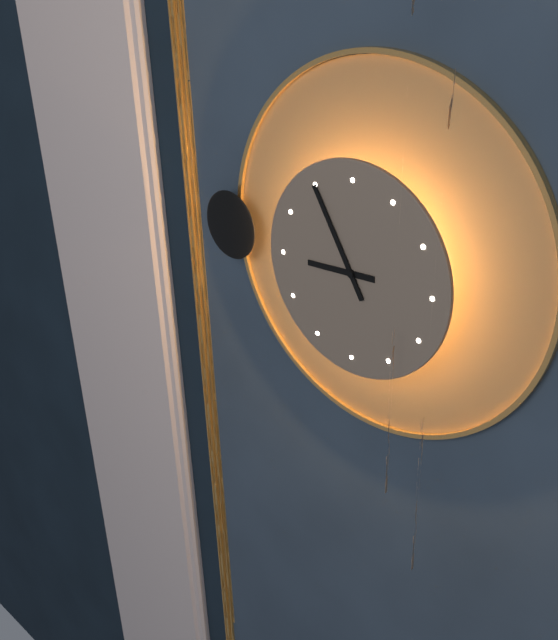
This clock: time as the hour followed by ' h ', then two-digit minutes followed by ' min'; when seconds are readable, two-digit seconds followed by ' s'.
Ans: 8 h 55 min
